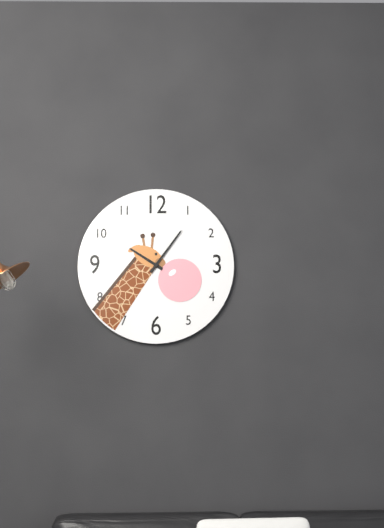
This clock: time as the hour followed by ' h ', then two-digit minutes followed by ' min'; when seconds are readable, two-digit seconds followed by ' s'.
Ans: 10 h 06 min
